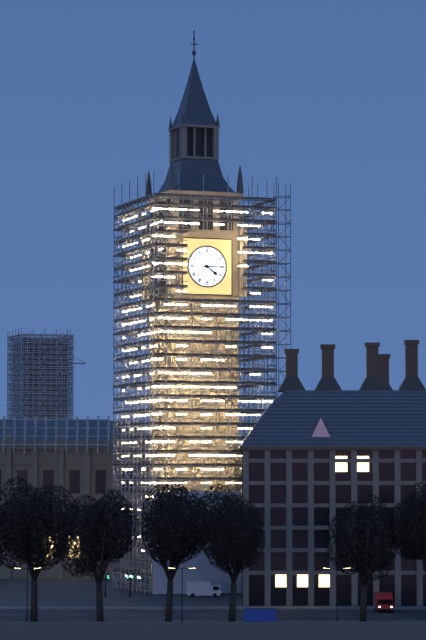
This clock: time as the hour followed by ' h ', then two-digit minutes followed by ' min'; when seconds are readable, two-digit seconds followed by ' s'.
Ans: 4 h 15 min
